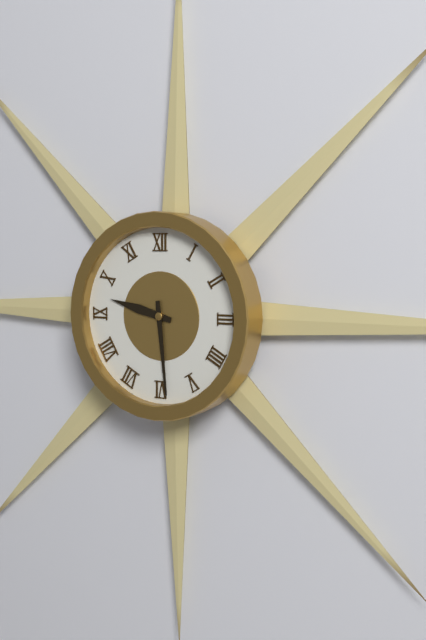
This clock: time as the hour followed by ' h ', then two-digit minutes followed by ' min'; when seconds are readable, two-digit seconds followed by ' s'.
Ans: 9 h 29 min
